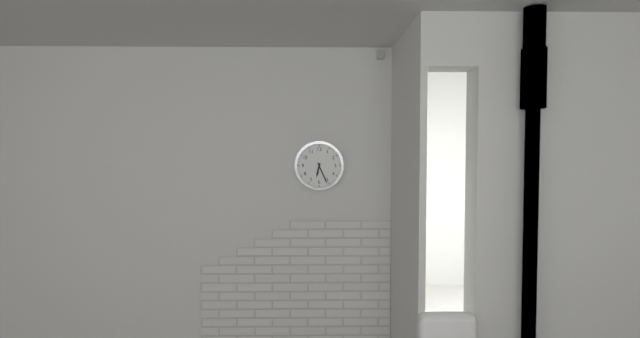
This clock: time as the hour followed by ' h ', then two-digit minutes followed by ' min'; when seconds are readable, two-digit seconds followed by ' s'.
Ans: 6 h 26 min
